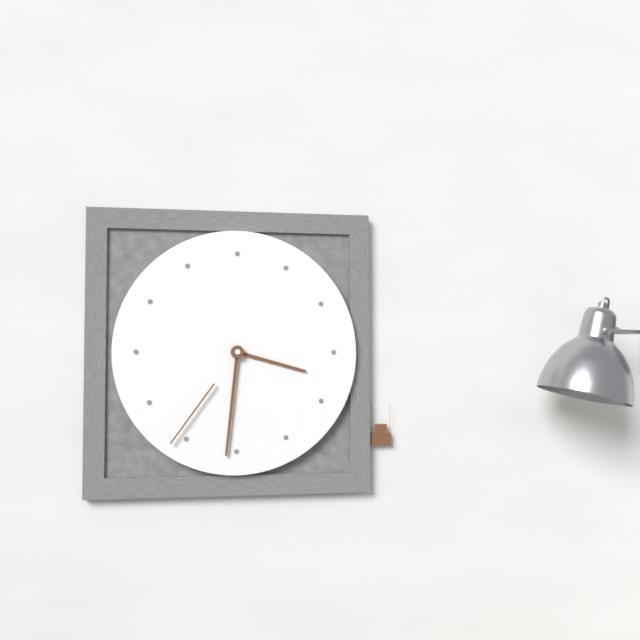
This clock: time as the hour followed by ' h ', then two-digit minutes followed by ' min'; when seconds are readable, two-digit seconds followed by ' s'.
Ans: 3 h 31 min 36 s
